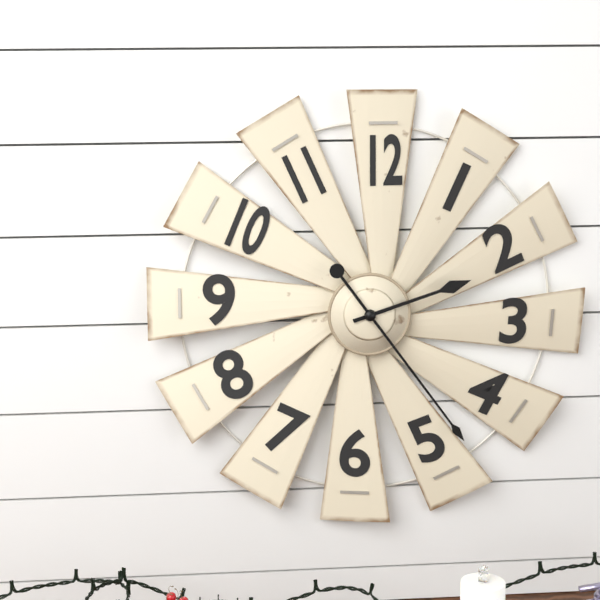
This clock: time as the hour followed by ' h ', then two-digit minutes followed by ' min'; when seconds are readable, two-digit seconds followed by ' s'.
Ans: 2 h 24 min
